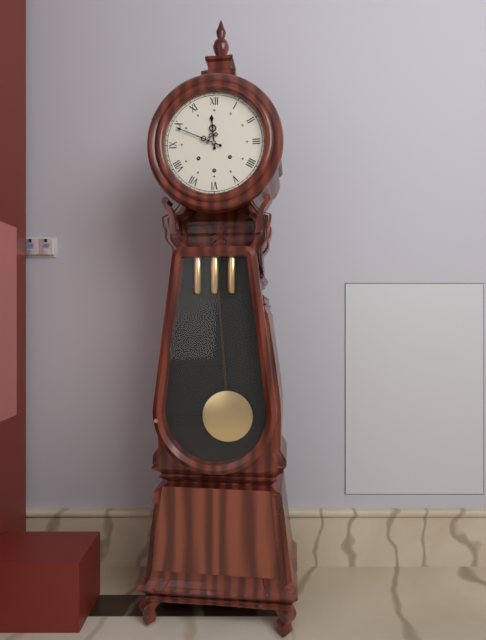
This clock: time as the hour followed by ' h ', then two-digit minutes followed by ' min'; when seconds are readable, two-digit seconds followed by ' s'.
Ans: 11 h 49 min
